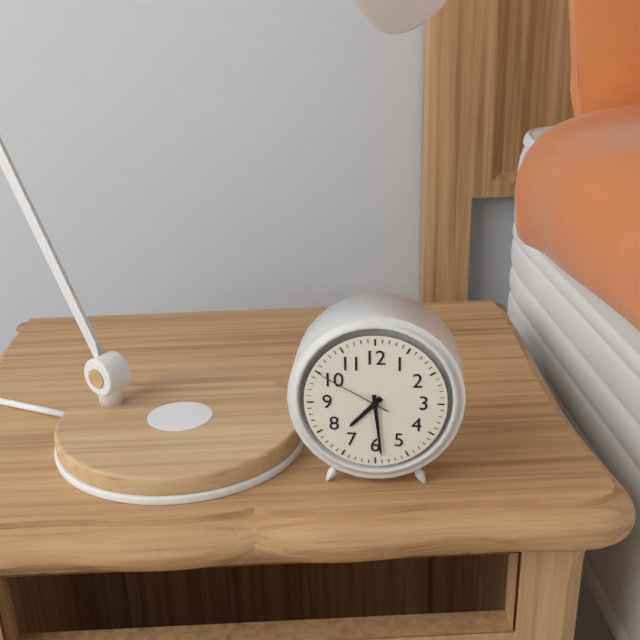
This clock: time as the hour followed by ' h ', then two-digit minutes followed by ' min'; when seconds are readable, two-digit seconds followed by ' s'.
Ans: 7 h 29 min 50 s
